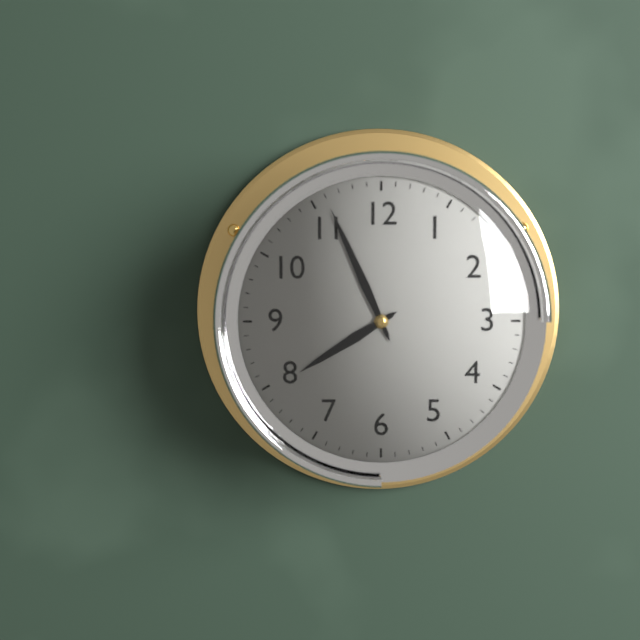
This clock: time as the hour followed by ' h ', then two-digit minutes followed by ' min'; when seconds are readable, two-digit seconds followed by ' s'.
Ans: 7 h 56 min
